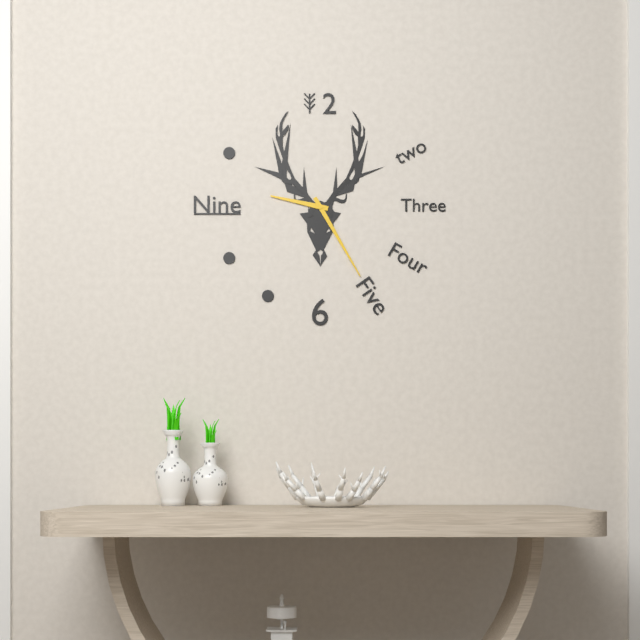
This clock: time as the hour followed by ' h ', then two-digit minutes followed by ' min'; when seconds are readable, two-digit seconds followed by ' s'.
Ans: 9 h 25 min
